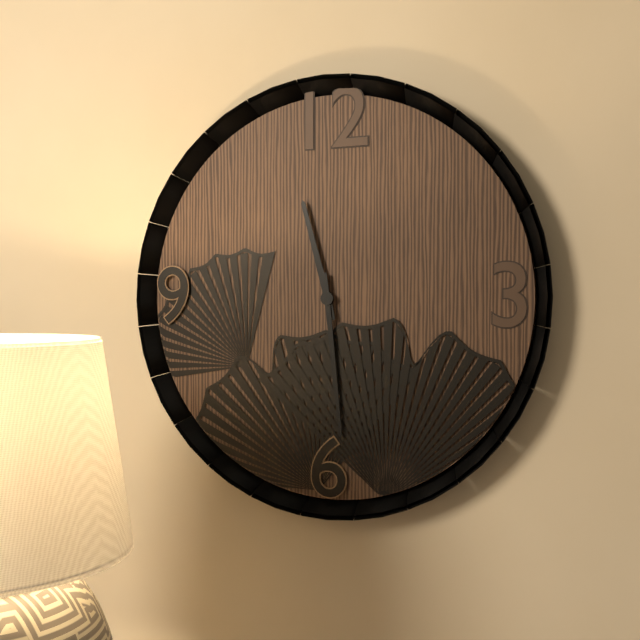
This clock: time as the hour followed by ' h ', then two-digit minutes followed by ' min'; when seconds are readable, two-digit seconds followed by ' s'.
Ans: 11 h 29 min
